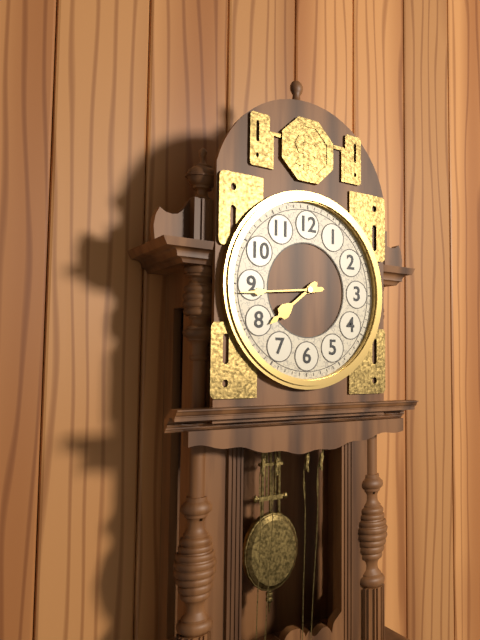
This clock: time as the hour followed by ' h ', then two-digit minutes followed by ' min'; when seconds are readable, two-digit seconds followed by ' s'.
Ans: 7 h 44 min
